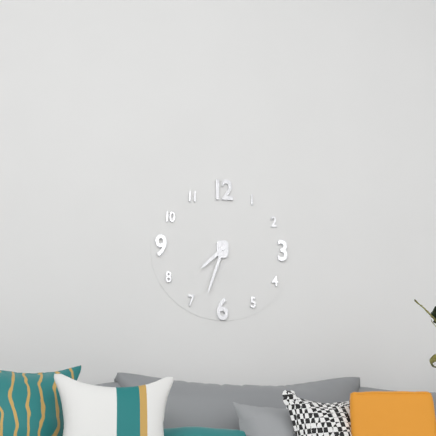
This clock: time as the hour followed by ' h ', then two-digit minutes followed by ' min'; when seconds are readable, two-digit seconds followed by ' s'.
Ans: 7 h 33 min
